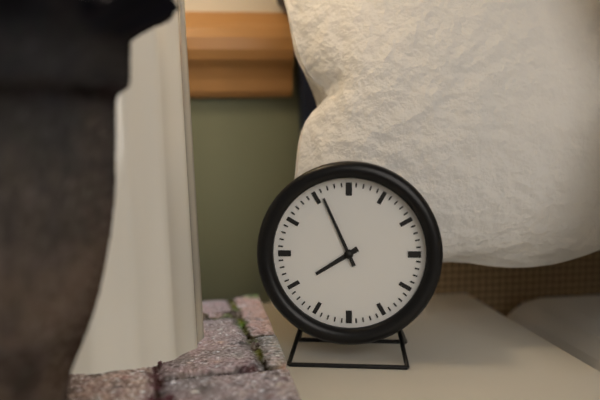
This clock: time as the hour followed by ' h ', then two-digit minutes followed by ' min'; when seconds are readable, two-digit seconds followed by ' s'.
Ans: 7 h 56 min
